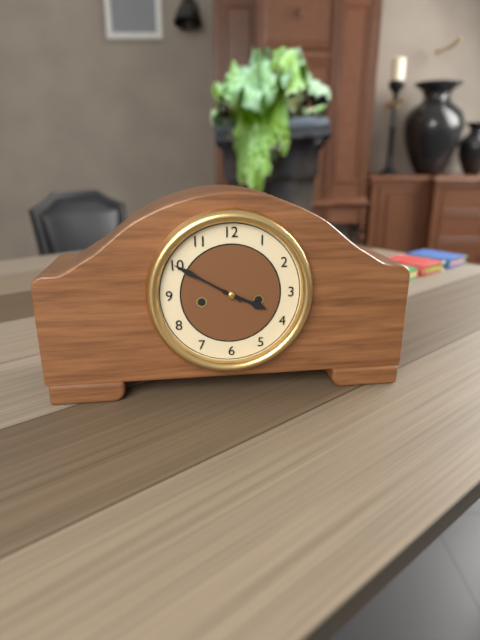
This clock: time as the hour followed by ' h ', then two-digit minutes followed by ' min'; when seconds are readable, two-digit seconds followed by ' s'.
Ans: 3 h 50 min
